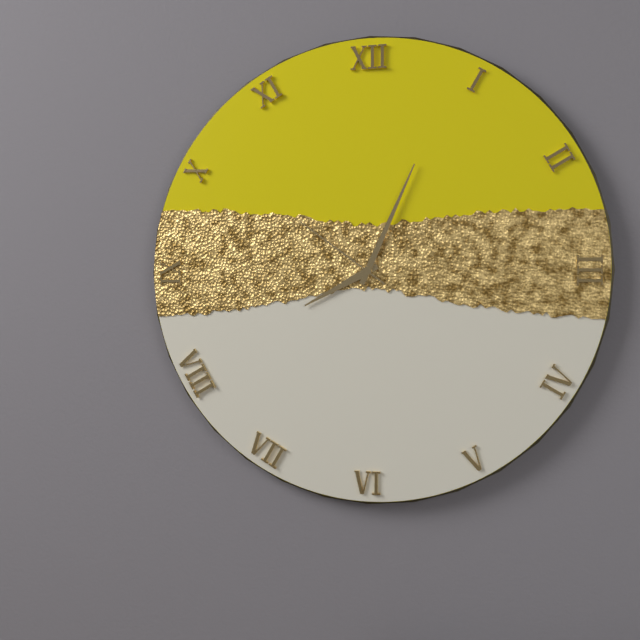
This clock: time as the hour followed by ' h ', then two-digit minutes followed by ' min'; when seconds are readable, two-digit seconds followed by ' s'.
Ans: 8 h 04 min 51 s
